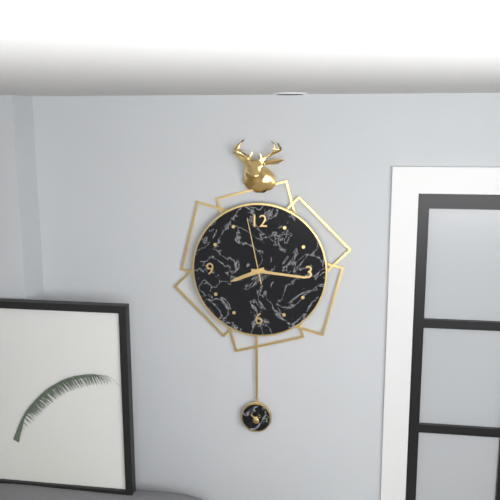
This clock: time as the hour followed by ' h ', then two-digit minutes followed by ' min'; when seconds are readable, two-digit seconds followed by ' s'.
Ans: 8 h 16 min 58 s
